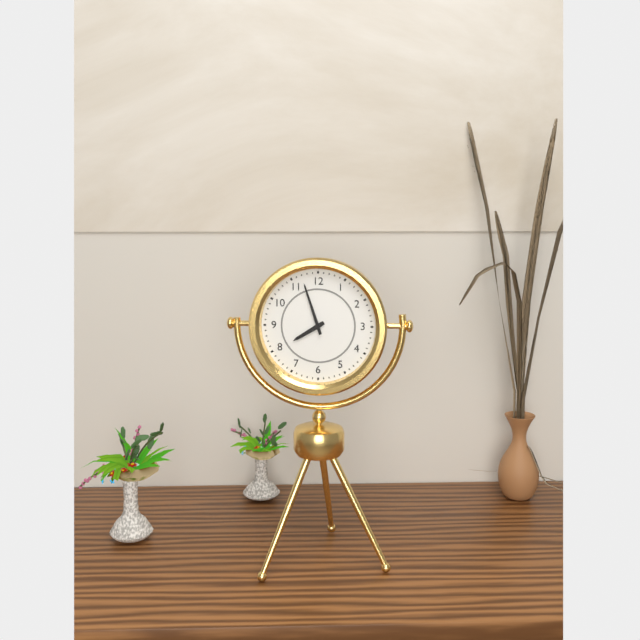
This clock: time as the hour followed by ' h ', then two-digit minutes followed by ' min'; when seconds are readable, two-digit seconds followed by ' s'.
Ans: 7 h 57 min
